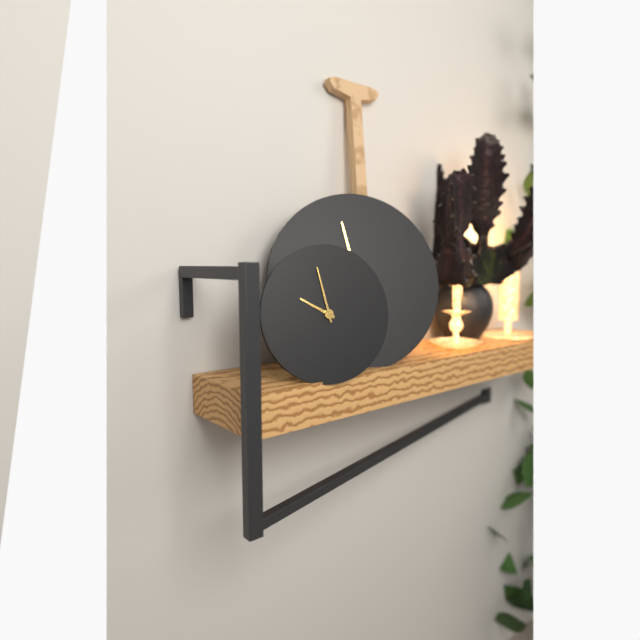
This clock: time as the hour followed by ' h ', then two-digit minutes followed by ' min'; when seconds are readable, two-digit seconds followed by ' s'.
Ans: 9 h 58 min
